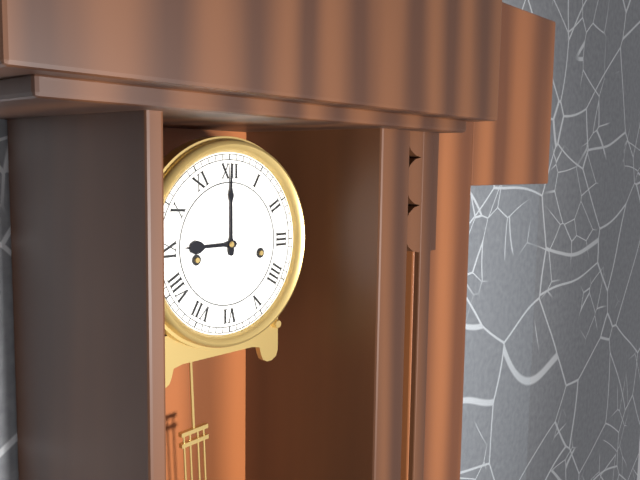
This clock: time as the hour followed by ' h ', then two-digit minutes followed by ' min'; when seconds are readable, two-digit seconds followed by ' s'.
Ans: 9 h 00 min
